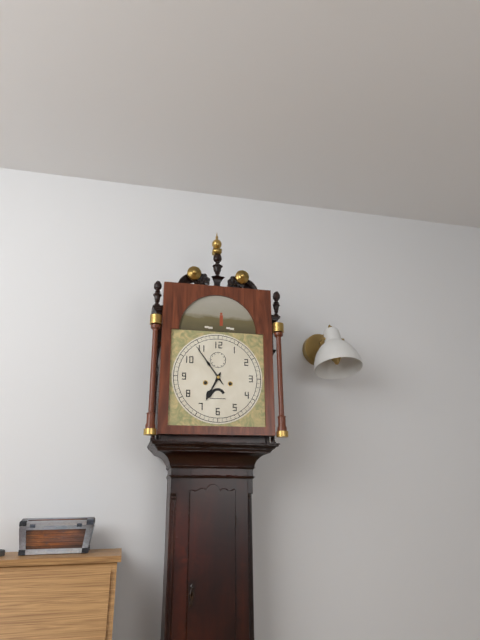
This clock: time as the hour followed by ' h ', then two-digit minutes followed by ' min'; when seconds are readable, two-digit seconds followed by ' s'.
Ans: 6 h 54 min
